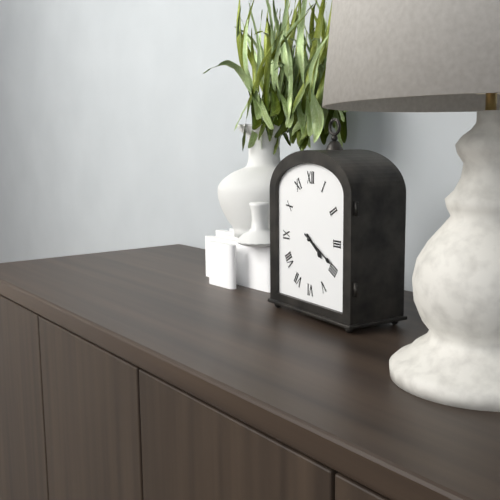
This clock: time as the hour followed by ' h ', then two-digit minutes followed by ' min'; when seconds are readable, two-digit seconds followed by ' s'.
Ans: 4 h 20 min
